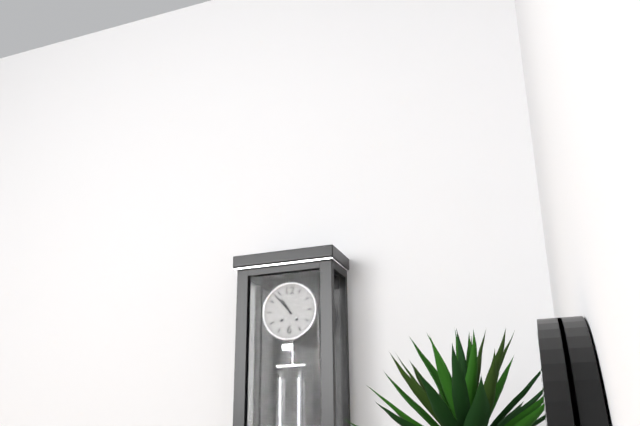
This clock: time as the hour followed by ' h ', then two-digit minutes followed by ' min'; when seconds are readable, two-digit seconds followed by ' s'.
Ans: 10 h 53 min
